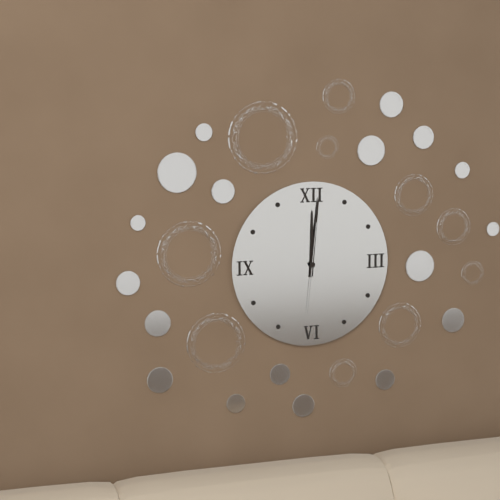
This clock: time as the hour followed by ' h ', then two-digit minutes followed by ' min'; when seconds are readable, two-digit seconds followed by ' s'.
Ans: 12 h 01 min 31 s
